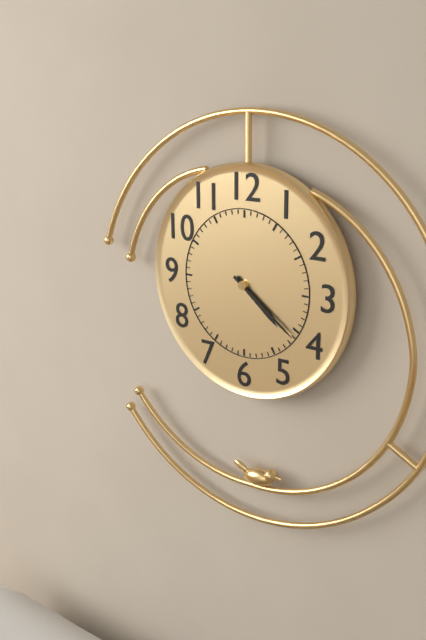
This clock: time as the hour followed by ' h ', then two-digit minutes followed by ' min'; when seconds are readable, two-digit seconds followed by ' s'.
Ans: 4 h 21 min
